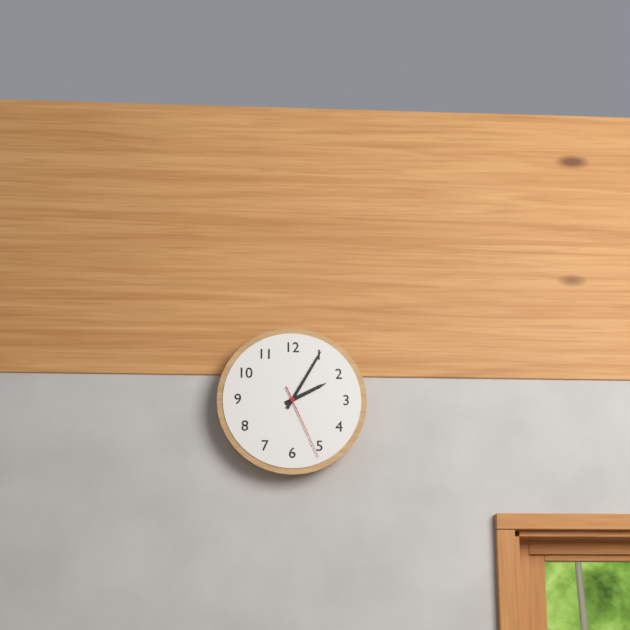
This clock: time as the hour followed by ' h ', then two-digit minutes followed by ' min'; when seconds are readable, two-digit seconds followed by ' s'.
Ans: 2 h 05 min 26 s
